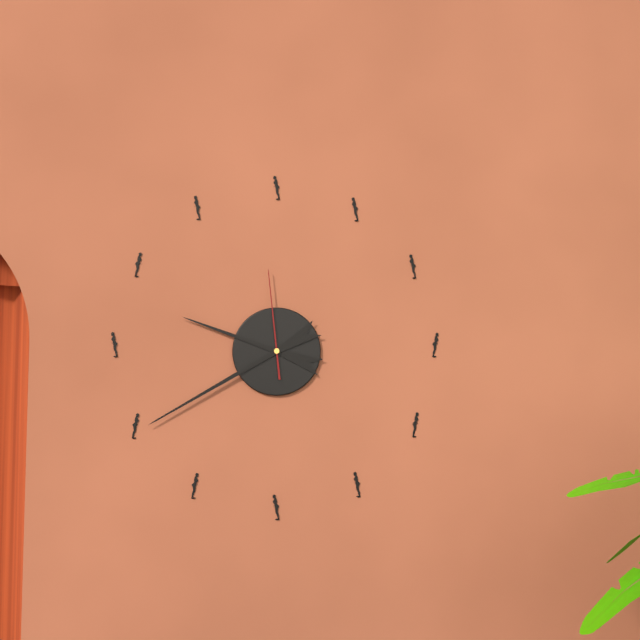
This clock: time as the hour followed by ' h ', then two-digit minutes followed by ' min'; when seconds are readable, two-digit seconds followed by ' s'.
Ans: 9 h 40 min 59 s
